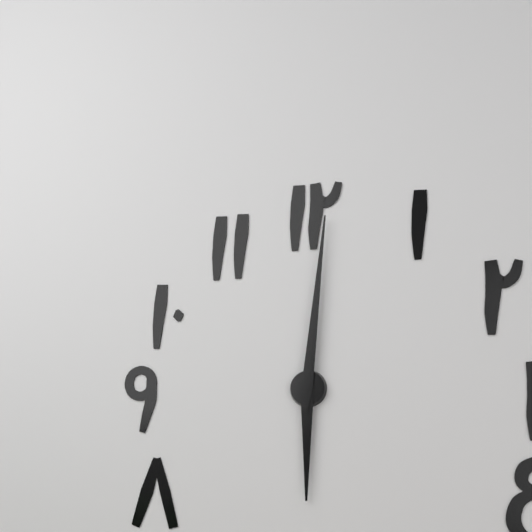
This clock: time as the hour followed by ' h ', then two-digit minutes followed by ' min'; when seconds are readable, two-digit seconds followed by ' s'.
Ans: 6 h 01 min
